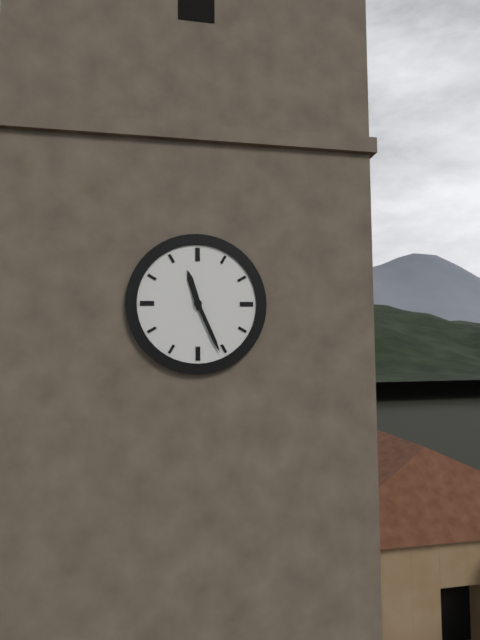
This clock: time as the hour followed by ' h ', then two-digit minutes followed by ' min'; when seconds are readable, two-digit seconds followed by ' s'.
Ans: 11 h 26 min
